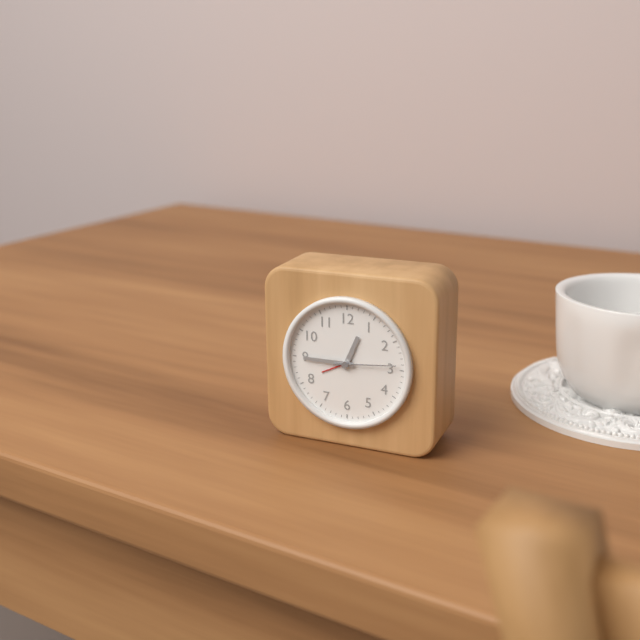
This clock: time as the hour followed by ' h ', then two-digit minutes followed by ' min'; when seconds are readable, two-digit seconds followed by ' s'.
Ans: 12 h 45 min 14 s
